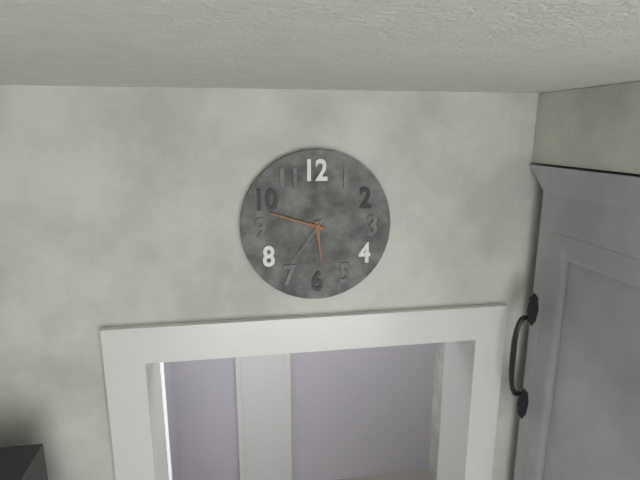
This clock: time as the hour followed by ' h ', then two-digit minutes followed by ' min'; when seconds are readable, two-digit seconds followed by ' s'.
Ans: 5 h 48 min 36 s
